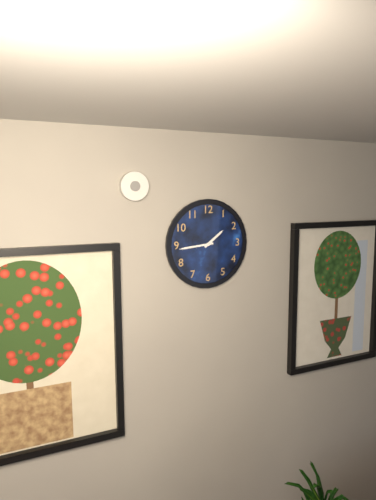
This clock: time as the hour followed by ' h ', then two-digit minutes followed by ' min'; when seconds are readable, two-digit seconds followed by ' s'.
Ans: 1 h 44 min
